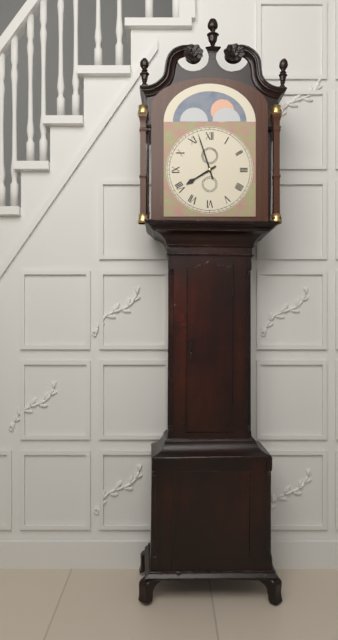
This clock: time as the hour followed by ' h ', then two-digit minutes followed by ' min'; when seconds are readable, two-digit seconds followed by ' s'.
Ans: 7 h 57 min
